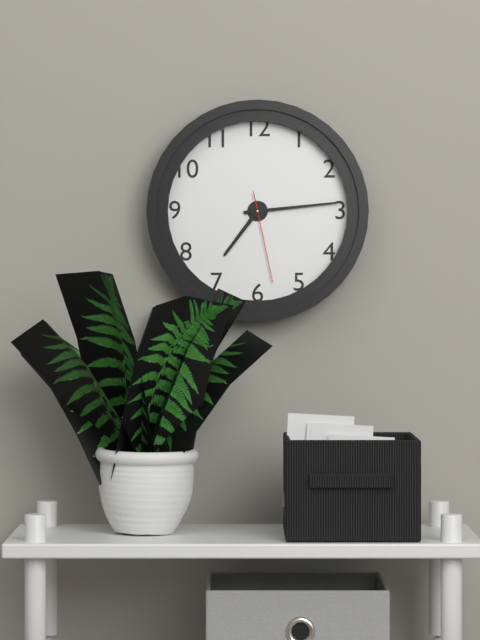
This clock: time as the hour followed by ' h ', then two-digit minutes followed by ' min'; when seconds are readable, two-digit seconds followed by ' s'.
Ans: 7 h 14 min 28 s
